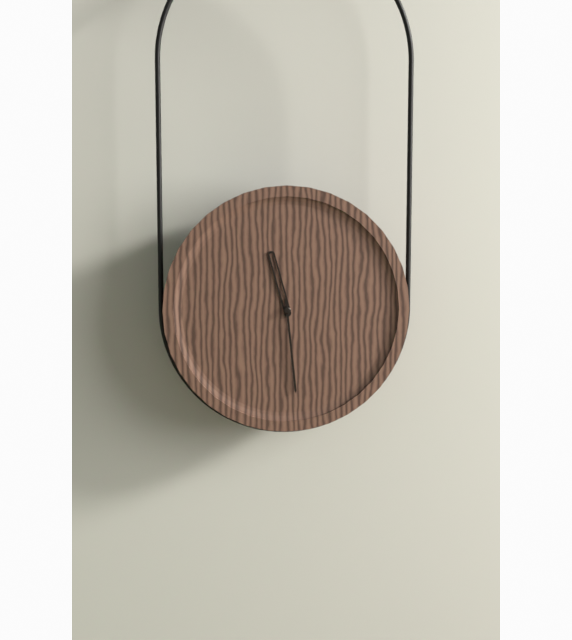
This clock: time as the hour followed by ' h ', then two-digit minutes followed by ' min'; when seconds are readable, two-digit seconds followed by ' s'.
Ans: 11 h 29 min
